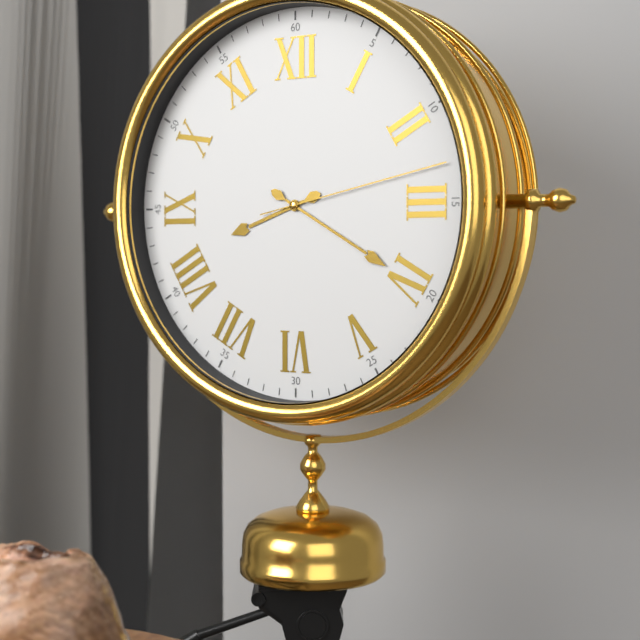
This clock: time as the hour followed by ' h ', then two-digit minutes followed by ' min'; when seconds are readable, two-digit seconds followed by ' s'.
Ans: 8 h 20 min 13 s
